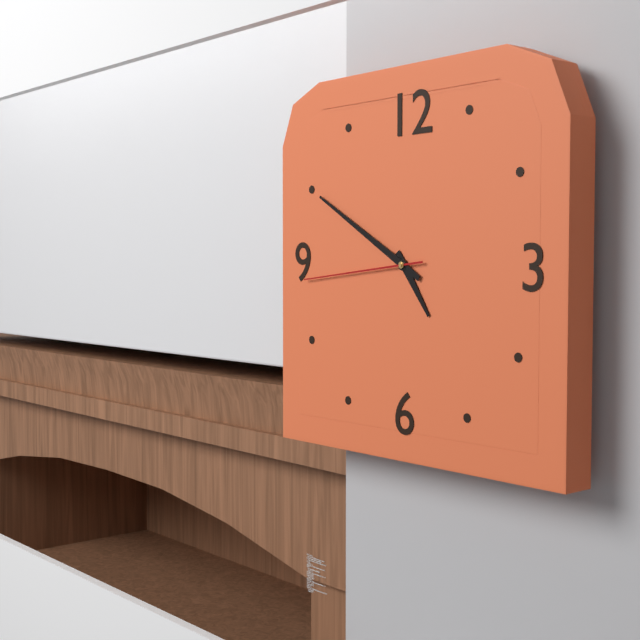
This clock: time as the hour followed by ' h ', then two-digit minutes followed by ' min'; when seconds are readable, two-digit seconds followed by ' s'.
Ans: 4 h 50 min 44 s
